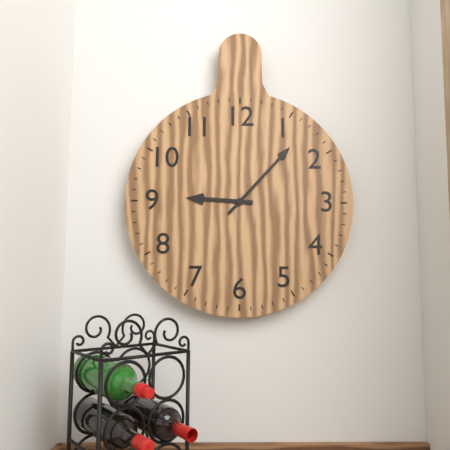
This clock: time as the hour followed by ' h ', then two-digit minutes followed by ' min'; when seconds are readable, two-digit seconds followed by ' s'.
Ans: 9 h 07 min
